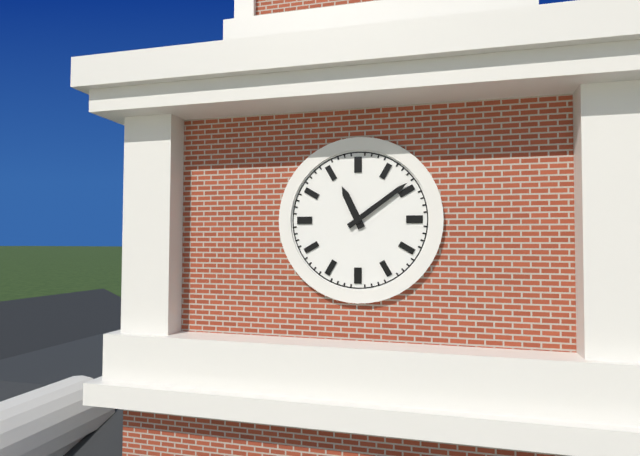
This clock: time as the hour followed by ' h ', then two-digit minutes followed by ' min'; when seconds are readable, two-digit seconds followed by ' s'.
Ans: 11 h 09 min
